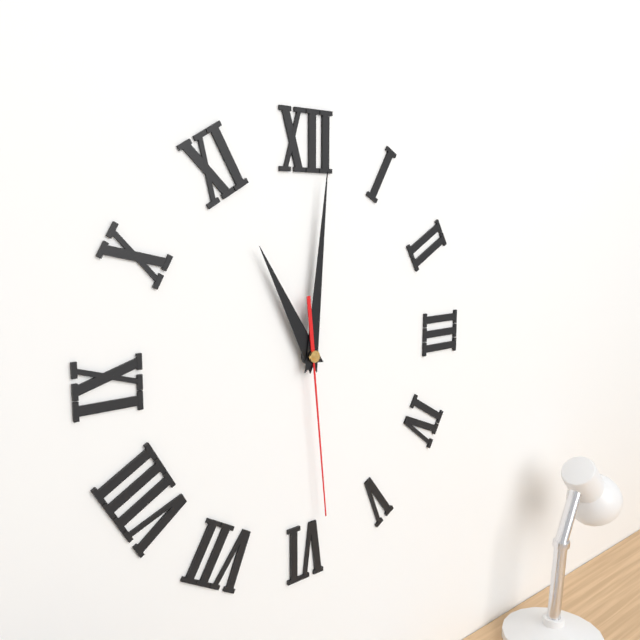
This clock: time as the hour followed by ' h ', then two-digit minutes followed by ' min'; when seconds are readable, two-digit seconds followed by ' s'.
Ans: 11 h 01 min 29 s
